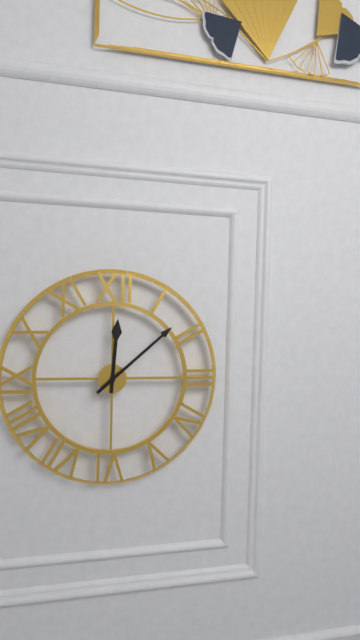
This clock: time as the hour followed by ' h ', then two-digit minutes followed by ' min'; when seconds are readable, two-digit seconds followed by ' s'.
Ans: 12 h 08 min
